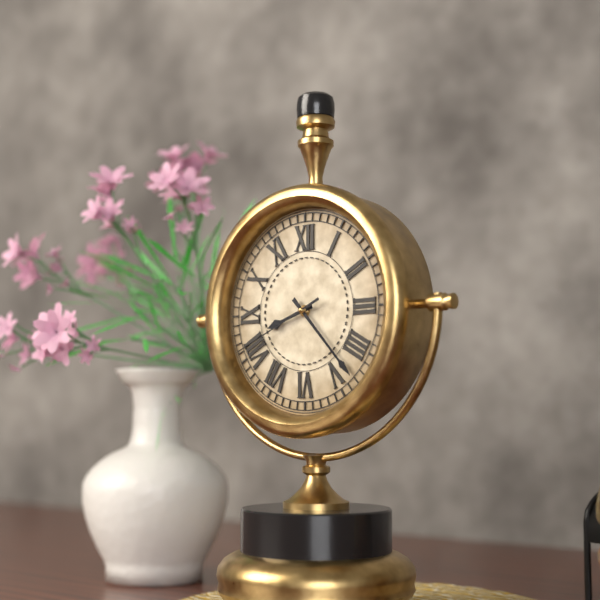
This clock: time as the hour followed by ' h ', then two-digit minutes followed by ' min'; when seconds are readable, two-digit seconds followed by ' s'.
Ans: 8 h 23 min 41 s
